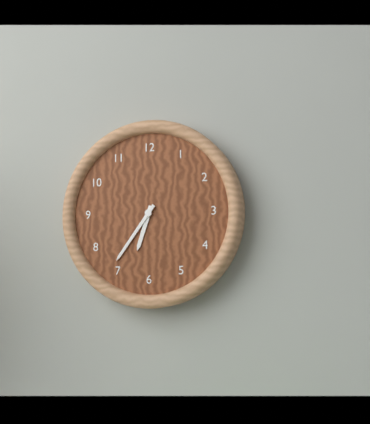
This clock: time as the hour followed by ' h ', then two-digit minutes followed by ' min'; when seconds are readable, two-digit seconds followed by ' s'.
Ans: 6 h 36 min
